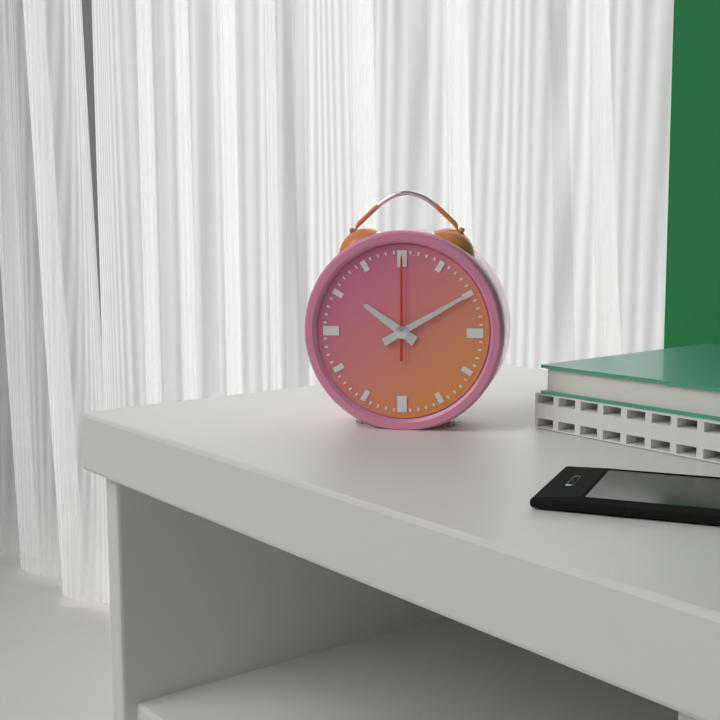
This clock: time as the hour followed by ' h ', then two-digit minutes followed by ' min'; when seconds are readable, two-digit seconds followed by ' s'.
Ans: 10 h 10 min 00 s
